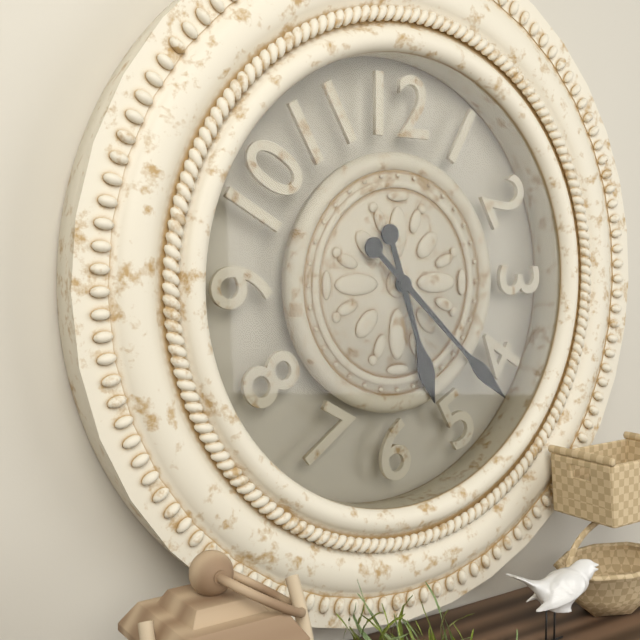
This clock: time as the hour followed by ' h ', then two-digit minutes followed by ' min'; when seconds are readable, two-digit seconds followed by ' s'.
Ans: 5 h 22 min
